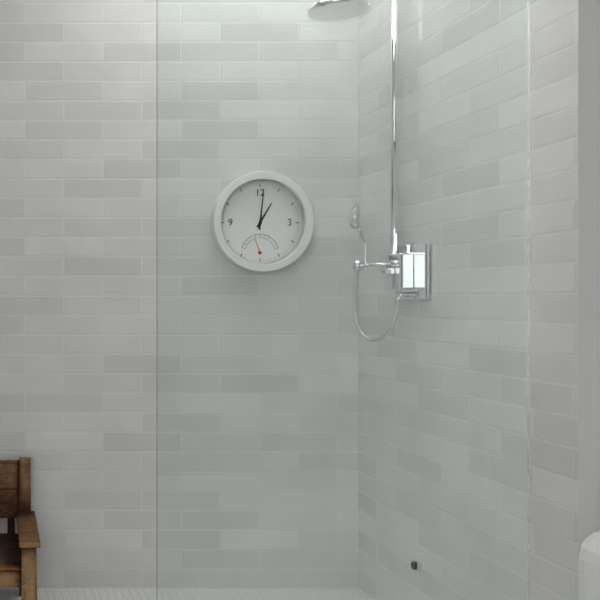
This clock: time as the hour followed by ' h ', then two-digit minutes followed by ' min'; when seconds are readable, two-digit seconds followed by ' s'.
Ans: 1 h 01 min
